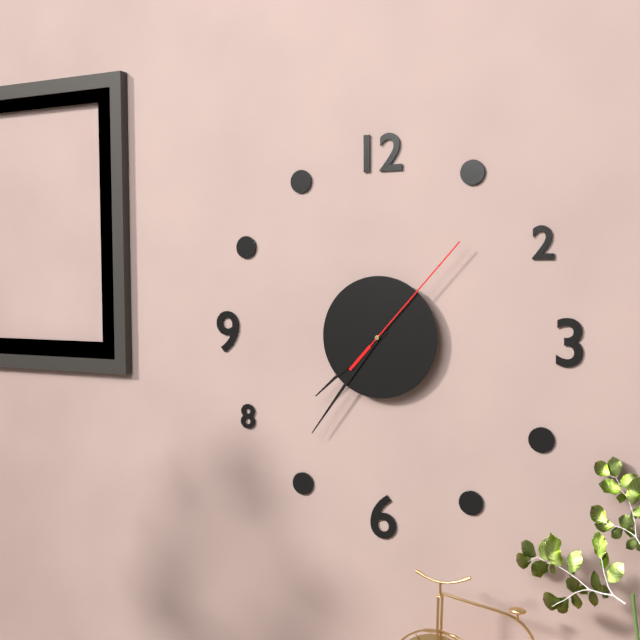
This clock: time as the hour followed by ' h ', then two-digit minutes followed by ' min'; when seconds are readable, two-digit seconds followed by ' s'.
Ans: 7 h 36 min 07 s
